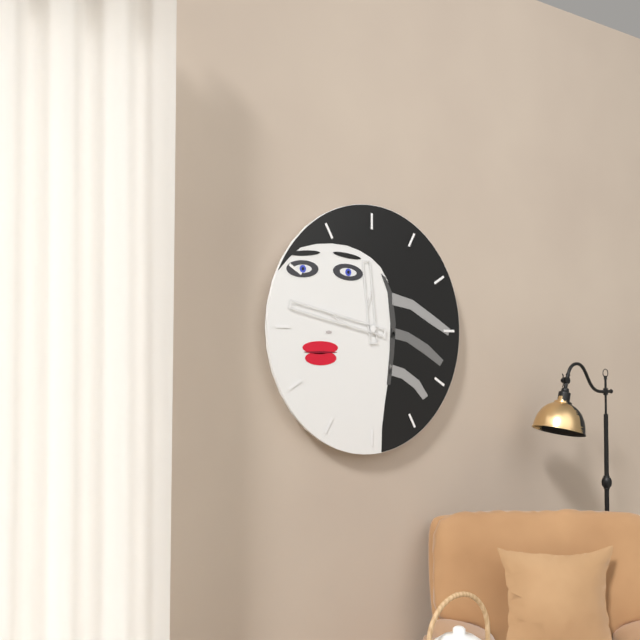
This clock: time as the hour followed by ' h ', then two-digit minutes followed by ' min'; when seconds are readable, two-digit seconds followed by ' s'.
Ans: 11 h 47 min
